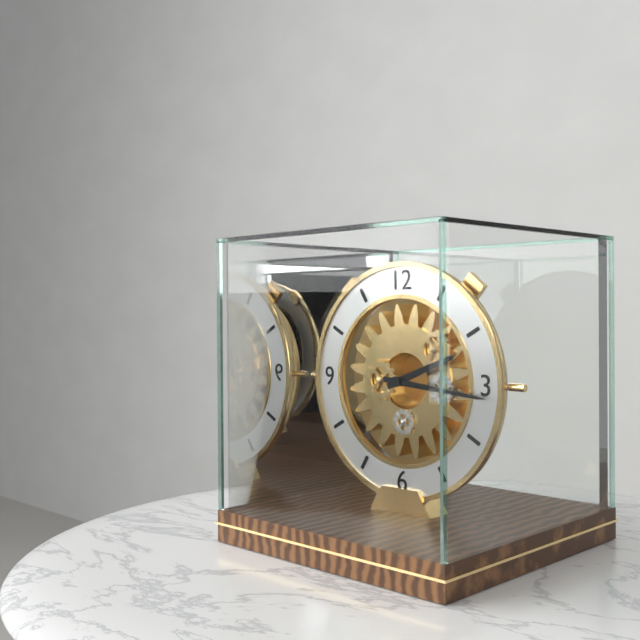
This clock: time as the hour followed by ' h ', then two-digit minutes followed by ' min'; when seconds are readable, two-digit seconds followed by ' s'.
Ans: 2 h 16 min
